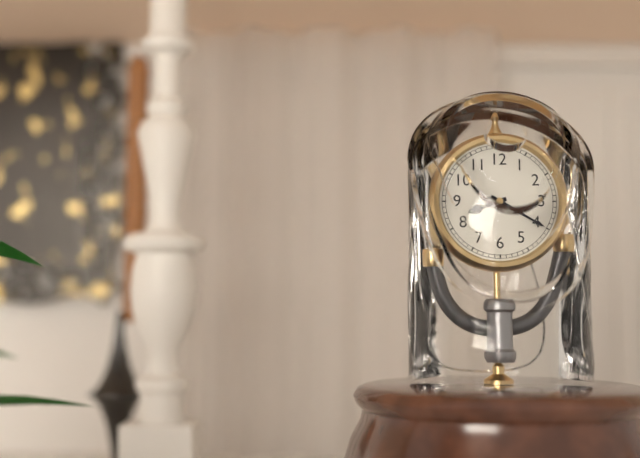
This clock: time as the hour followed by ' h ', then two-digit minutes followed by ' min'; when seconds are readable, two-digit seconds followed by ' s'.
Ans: 8 h 20 min
